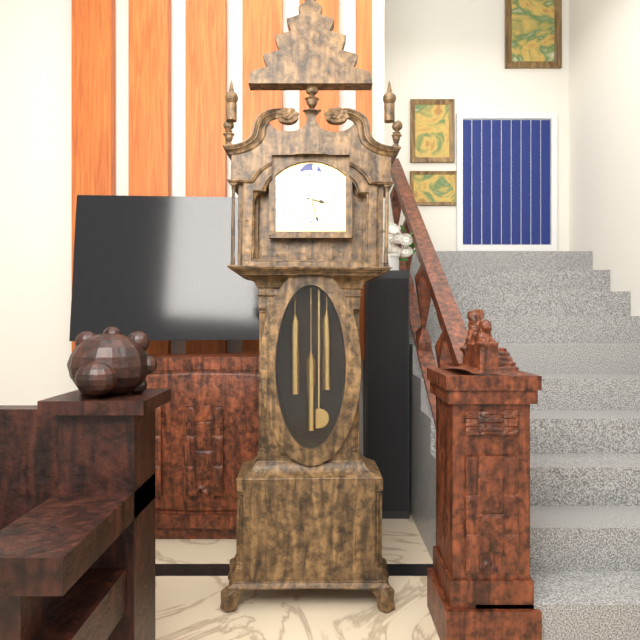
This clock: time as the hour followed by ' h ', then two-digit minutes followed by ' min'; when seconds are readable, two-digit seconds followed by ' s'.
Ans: 3 h 27 min
